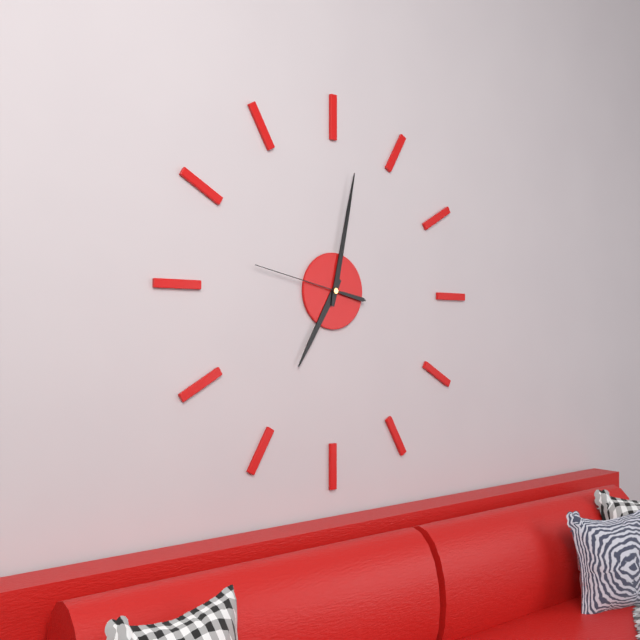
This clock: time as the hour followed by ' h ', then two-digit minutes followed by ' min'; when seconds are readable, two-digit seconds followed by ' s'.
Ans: 7 h 02 min 47 s
